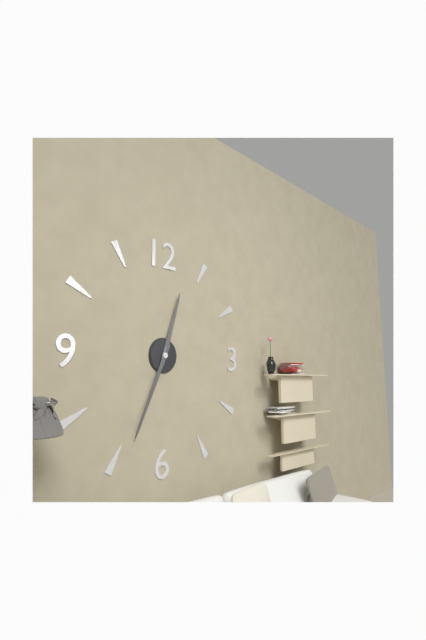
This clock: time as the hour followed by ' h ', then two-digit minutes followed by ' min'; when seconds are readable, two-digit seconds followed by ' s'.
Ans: 12 h 34 min
